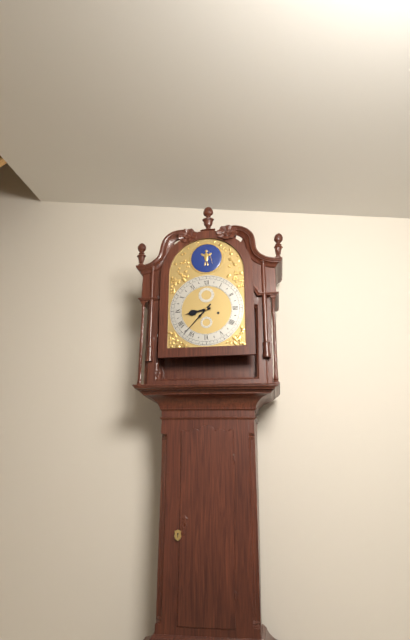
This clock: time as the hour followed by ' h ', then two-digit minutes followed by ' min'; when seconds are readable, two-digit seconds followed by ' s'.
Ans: 8 h 37 min
